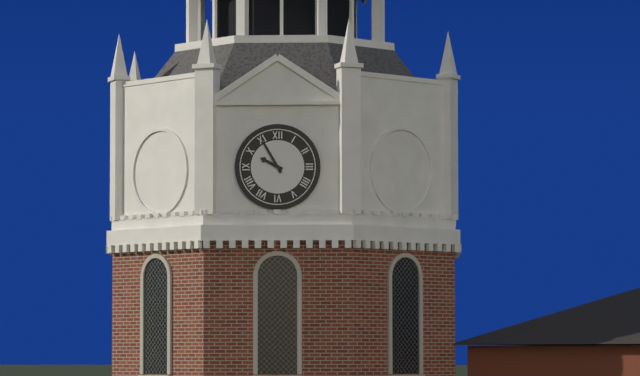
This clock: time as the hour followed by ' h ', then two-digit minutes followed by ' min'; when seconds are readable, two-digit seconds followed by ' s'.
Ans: 9 h 55 min
